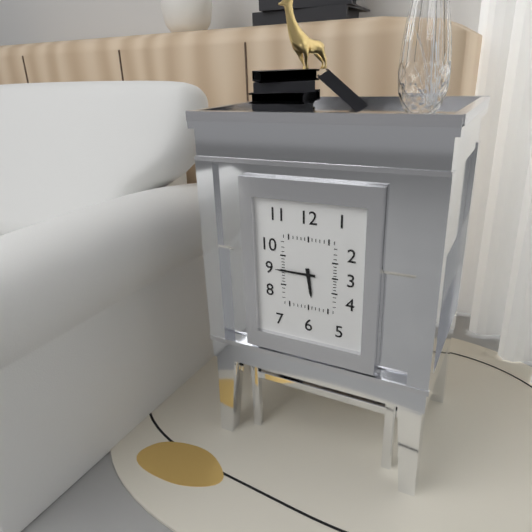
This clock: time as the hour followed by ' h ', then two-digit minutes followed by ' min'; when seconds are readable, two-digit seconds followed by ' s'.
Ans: 5 h 45 min
